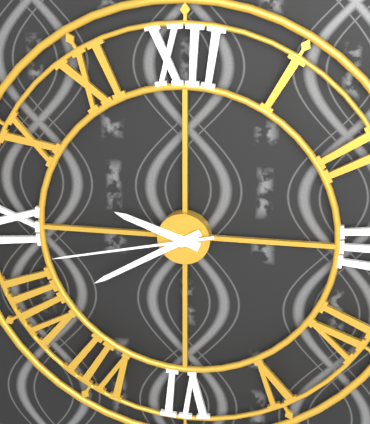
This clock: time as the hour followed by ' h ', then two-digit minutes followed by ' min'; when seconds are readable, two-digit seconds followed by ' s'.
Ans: 9 h 40 min 43 s
